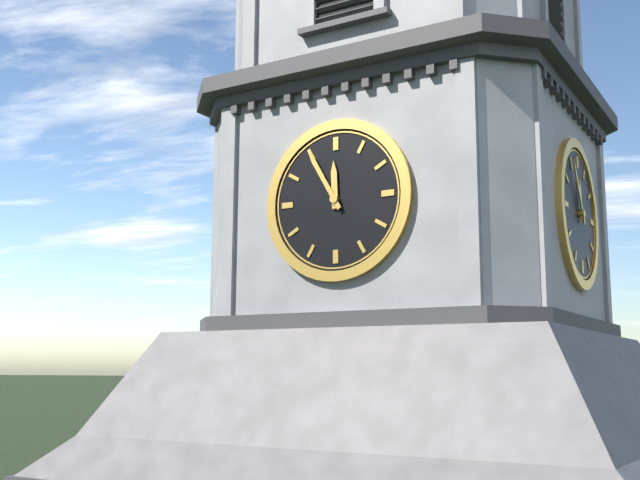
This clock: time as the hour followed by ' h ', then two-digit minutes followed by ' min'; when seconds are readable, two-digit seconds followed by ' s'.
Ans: 11 h 55 min
